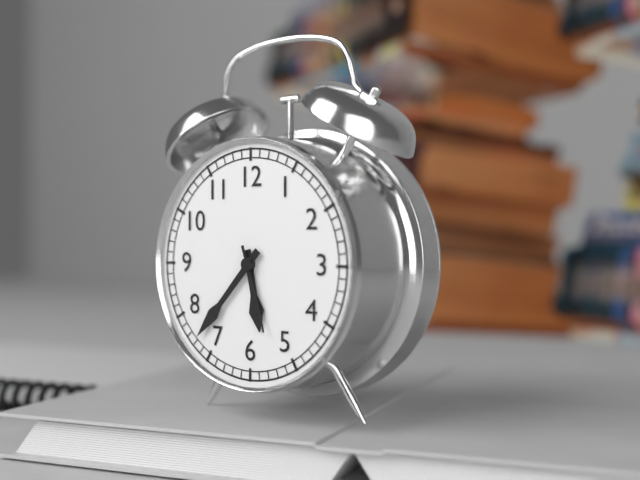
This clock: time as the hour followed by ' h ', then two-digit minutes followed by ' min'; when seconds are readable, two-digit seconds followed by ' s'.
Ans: 5 h 37 min 27 s
